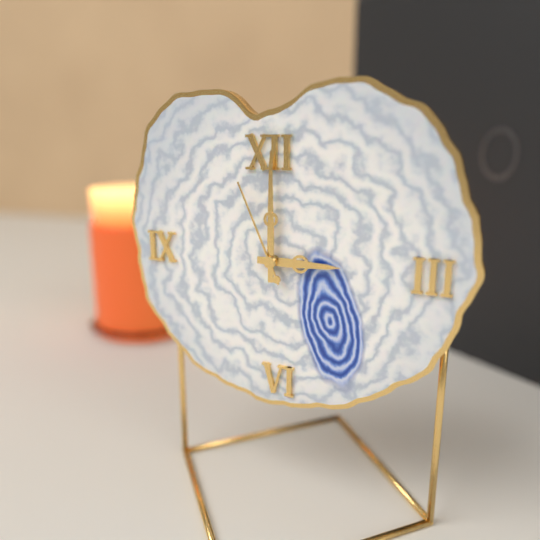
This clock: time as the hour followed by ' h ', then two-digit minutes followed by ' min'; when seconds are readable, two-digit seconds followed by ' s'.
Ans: 3 h 00 min 56 s
